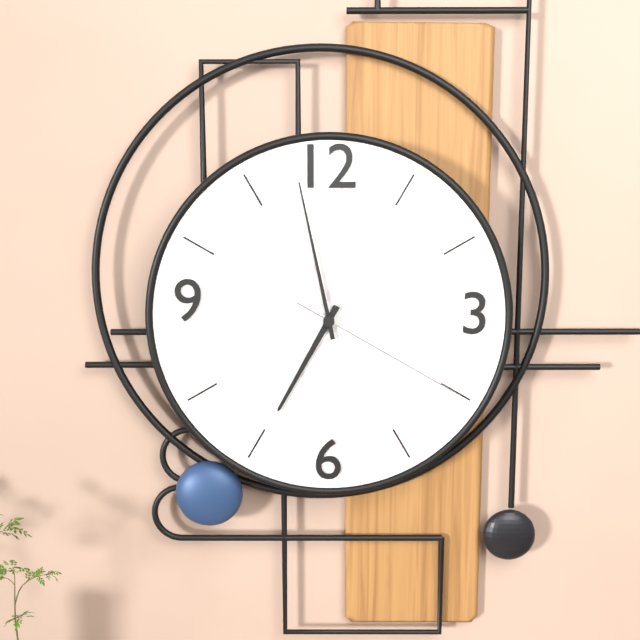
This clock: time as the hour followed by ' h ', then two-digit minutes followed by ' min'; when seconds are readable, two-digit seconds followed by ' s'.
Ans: 6 h 58 min 20 s
